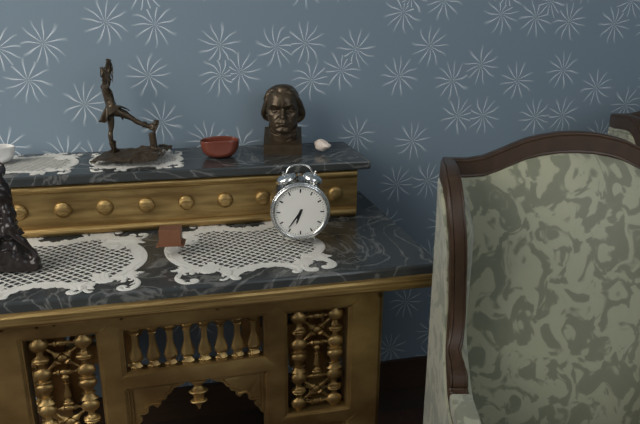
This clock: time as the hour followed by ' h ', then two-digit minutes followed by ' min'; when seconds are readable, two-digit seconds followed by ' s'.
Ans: 6 h 36 min
